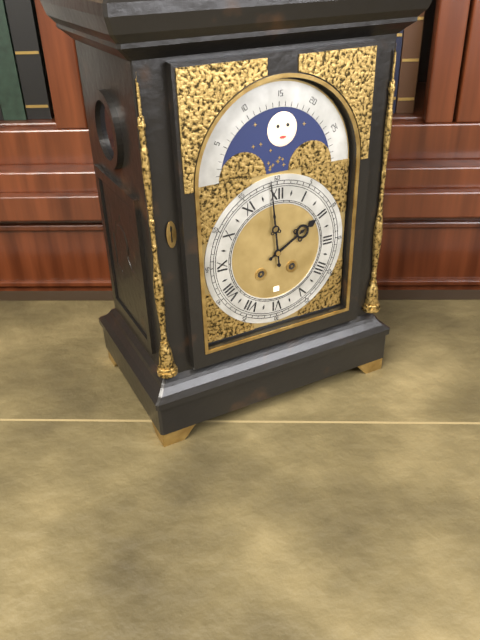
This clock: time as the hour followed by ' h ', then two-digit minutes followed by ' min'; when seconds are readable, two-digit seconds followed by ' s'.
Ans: 1 h 59 min
